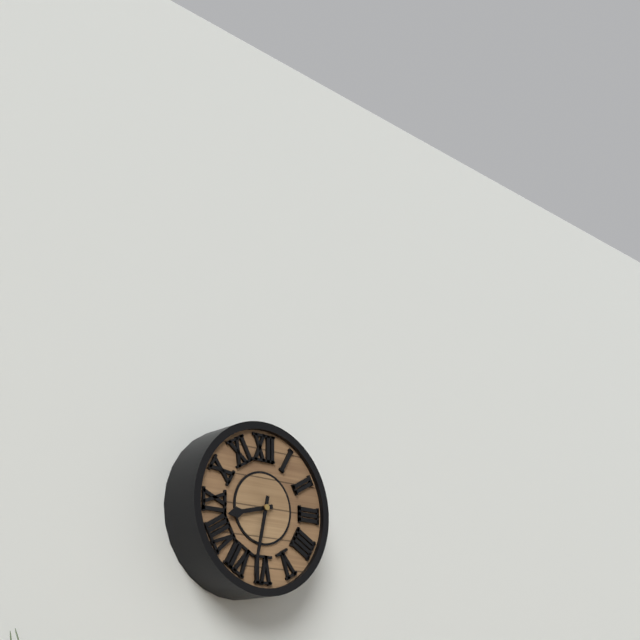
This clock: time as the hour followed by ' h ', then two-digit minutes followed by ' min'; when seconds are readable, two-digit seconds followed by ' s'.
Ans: 8 h 32 min
